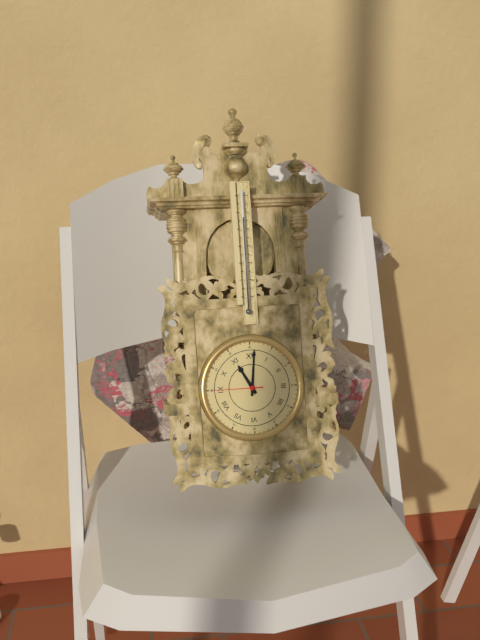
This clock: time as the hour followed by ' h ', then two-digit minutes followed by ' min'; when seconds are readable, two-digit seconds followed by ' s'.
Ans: 11 h 01 min 45 s
